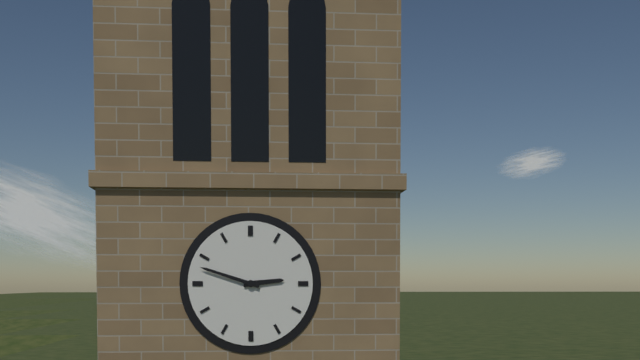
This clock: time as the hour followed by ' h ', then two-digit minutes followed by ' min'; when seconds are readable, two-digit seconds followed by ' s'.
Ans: 2 h 48 min
